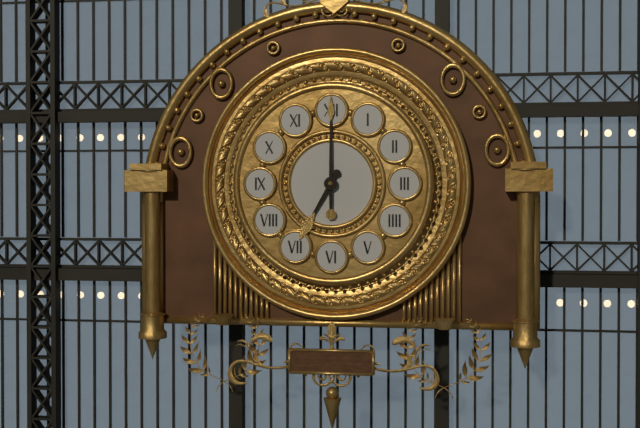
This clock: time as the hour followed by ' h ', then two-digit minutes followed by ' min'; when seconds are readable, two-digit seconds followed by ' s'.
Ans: 7 h 00 min
